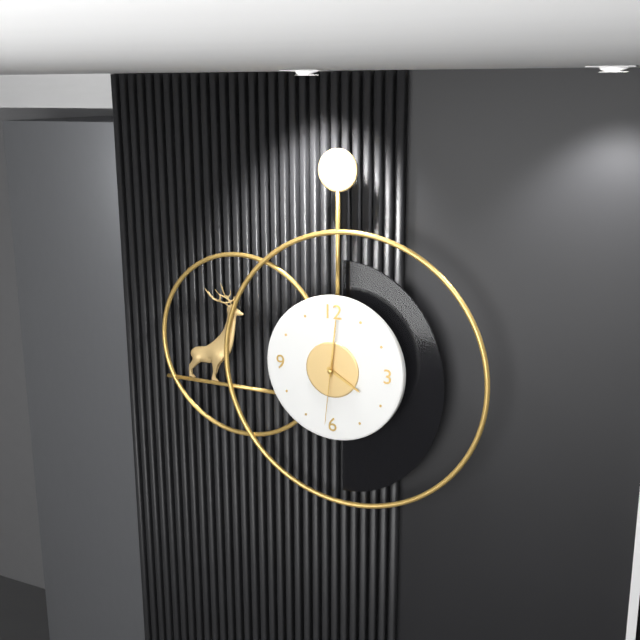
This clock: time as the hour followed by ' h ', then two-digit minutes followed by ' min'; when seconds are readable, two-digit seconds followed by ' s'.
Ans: 4 h 01 min 31 s
